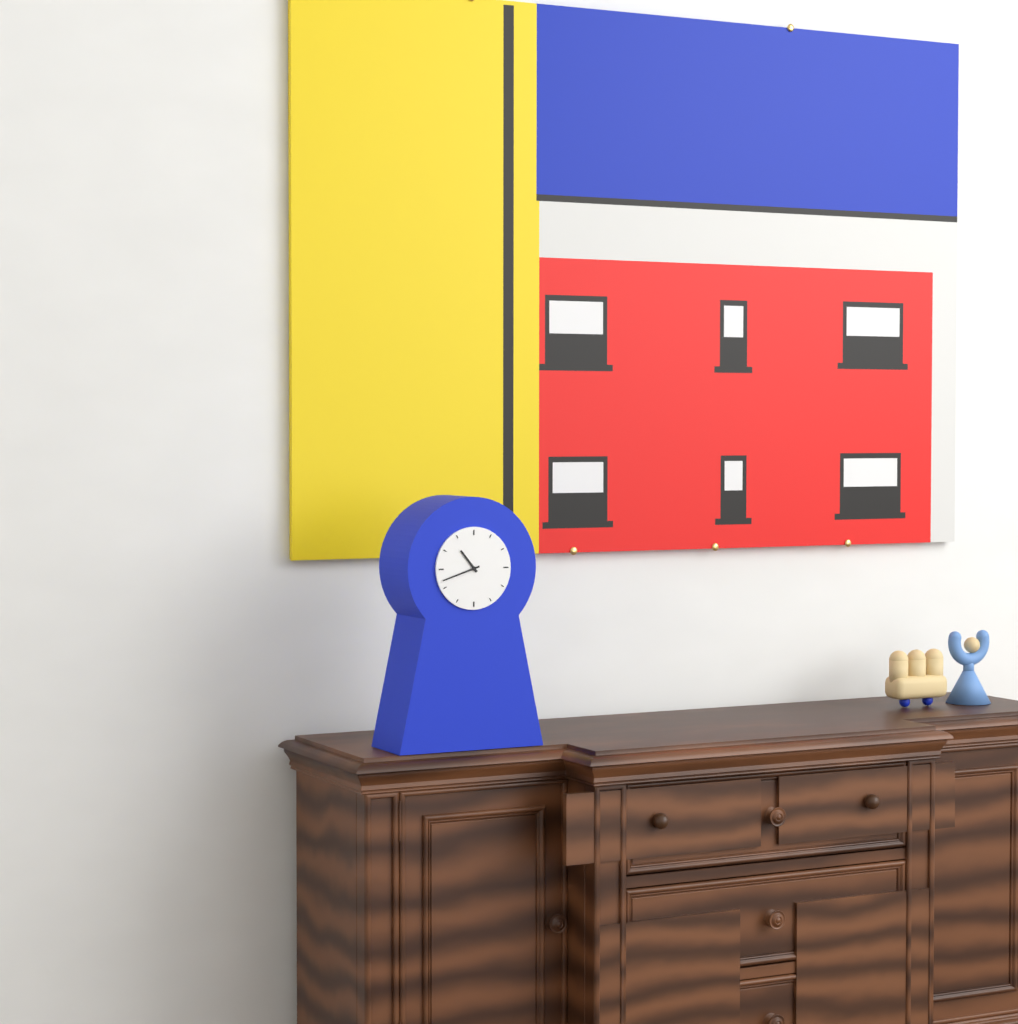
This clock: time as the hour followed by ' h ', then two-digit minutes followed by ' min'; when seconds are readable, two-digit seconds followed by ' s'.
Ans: 10 h 42 min
